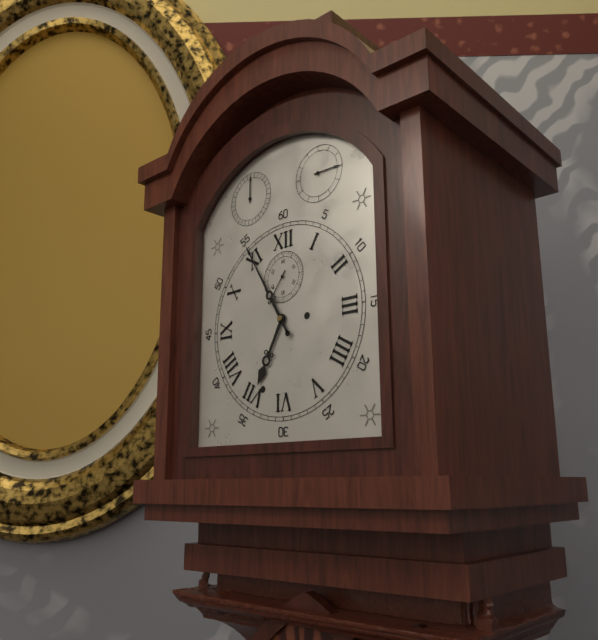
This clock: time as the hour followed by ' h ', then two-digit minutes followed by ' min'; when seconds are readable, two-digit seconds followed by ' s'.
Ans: 6 h 55 min
